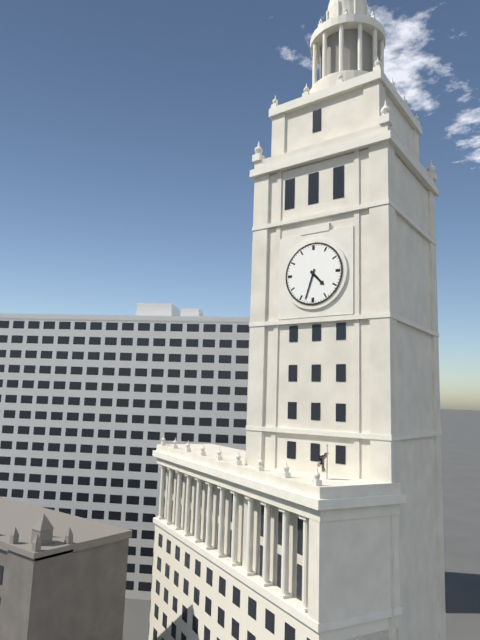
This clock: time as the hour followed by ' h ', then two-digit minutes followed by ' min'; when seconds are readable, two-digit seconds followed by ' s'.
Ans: 4 h 33 min
